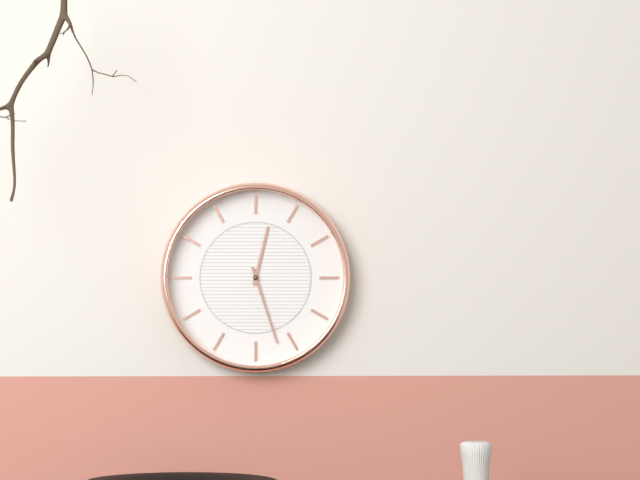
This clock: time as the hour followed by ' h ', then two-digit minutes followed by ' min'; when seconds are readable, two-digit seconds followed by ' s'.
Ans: 12 h 27 min
